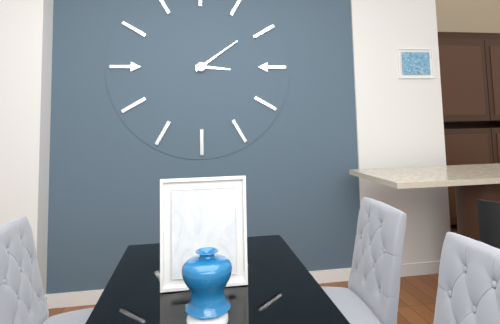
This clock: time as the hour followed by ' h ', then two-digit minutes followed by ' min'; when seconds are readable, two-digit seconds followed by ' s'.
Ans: 3 h 09 min
